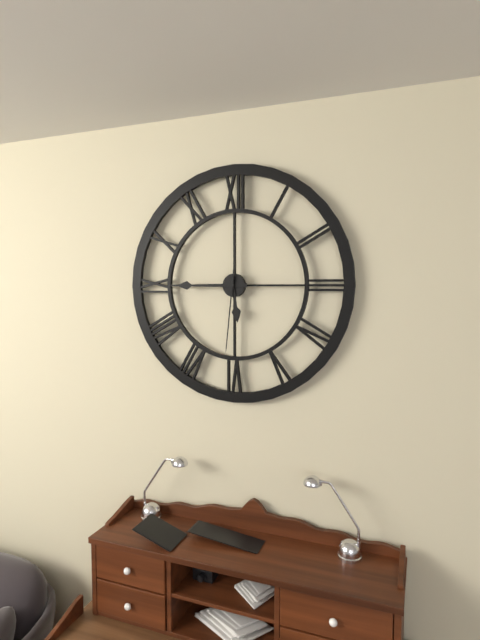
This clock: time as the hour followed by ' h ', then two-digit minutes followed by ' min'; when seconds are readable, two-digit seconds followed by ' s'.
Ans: 5 h 45 min 31 s
